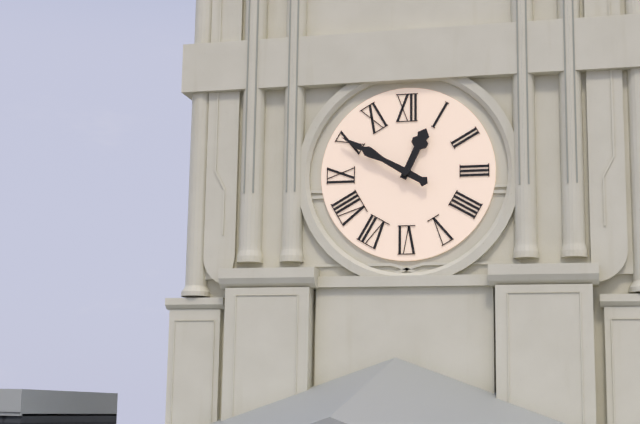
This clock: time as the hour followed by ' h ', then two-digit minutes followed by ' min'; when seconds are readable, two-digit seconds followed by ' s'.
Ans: 12 h 50 min
